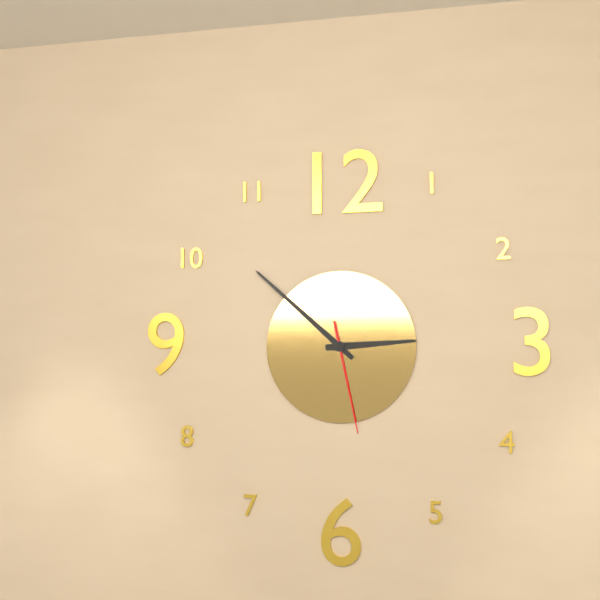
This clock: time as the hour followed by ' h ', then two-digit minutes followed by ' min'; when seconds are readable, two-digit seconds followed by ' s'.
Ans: 2 h 52 min 28 s
